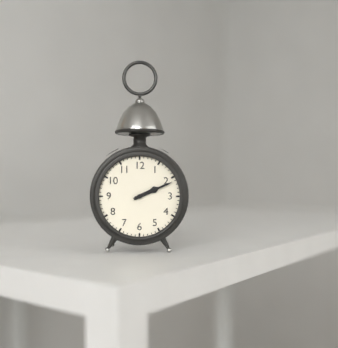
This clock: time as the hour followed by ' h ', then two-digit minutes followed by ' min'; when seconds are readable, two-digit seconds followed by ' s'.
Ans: 2 h 11 min
